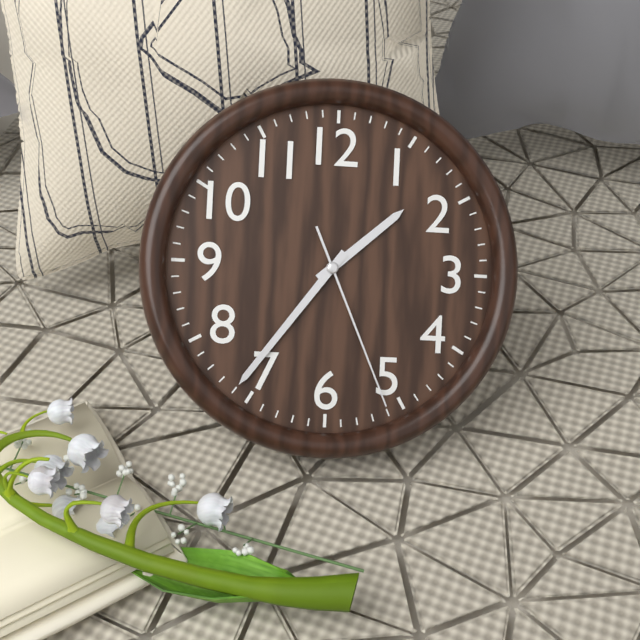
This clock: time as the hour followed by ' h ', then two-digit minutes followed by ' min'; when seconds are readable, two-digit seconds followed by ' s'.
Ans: 1 h 36 min 26 s
